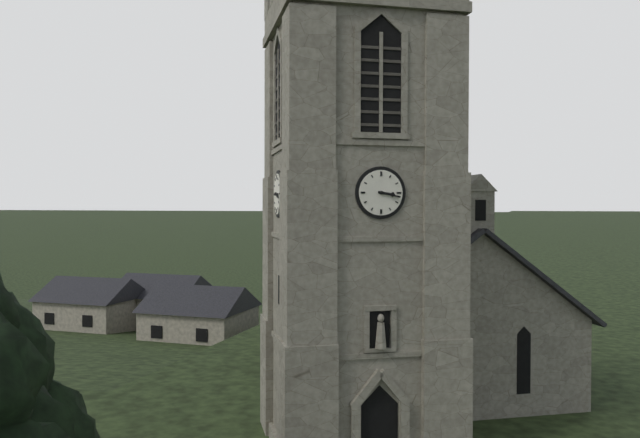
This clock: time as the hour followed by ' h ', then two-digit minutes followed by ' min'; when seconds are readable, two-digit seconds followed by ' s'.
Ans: 3 h 17 min
